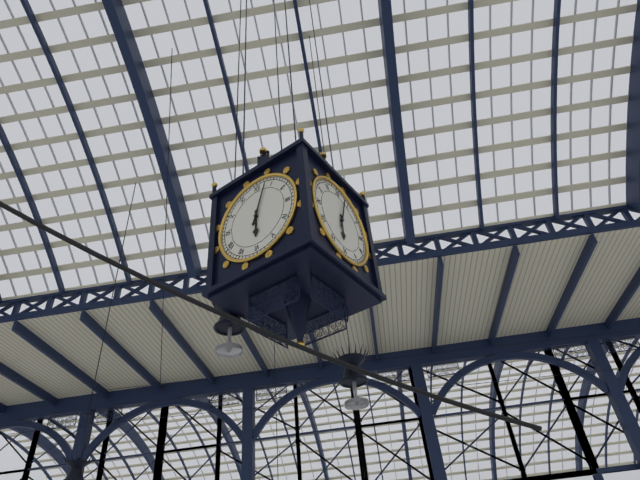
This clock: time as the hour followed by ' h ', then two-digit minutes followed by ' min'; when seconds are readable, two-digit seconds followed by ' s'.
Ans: 6 h 03 min
